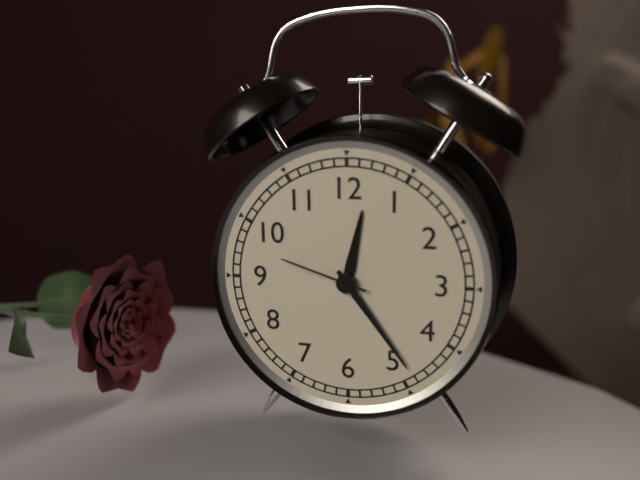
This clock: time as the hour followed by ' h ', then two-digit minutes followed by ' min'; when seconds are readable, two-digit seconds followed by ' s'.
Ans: 12 h 24 min 48 s
